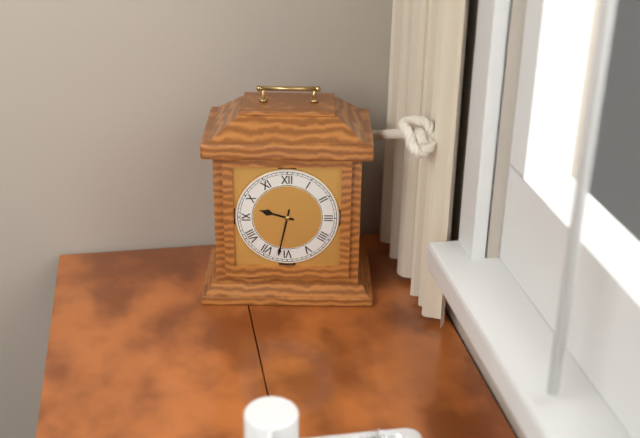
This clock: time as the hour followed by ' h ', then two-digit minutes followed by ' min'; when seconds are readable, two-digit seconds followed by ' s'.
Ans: 9 h 32 min
